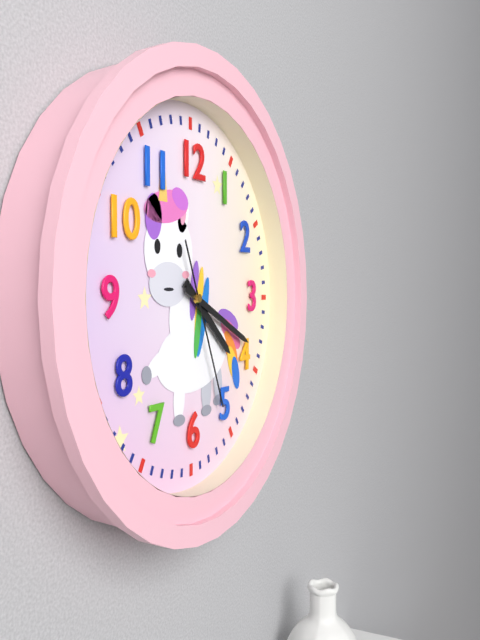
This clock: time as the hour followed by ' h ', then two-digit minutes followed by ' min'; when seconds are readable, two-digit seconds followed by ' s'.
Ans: 4 h 19 min 26 s
